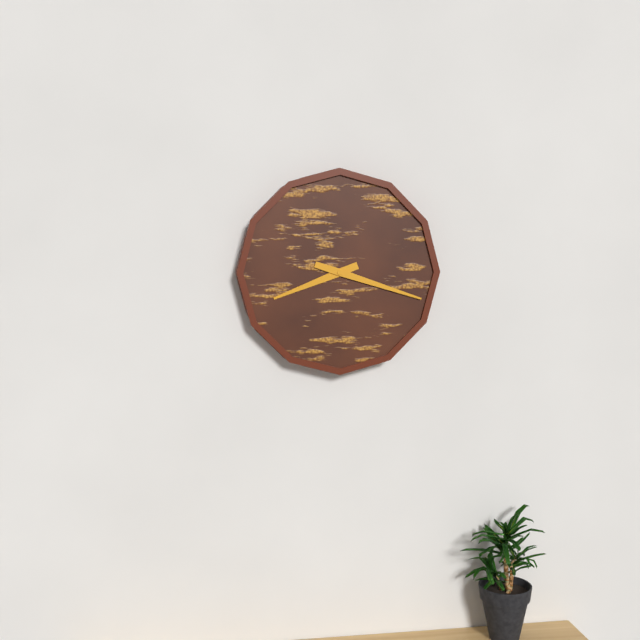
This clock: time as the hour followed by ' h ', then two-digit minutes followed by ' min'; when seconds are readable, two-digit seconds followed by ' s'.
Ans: 8 h 18 min
